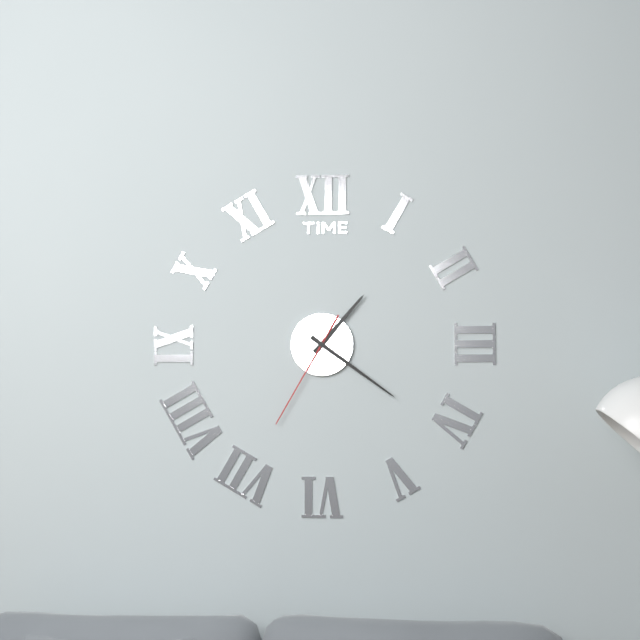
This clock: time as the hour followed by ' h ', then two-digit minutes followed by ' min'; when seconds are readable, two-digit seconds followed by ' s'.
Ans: 1 h 21 min 35 s
